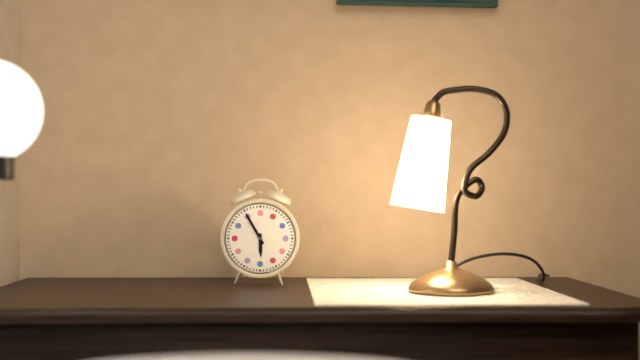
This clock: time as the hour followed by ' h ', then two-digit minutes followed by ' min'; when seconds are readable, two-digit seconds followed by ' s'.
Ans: 5 h 55 min
